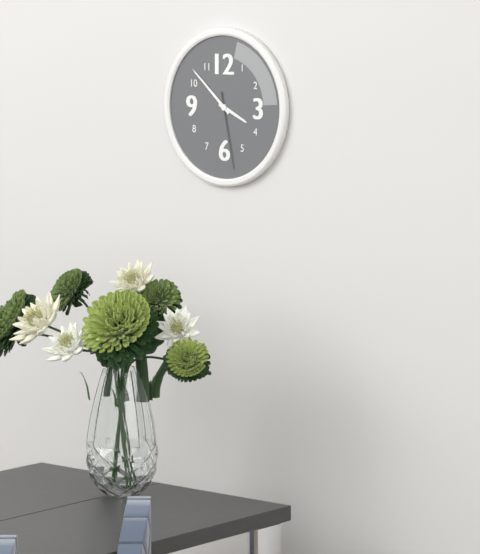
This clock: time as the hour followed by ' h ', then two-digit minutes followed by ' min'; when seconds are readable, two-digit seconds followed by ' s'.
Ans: 3 h 52 min 28 s
